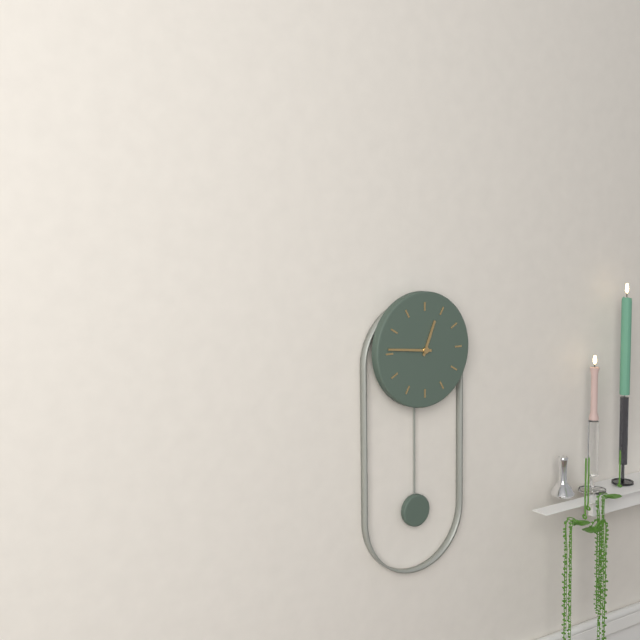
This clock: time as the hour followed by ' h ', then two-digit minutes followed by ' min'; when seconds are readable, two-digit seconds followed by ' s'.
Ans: 12 h 46 min
